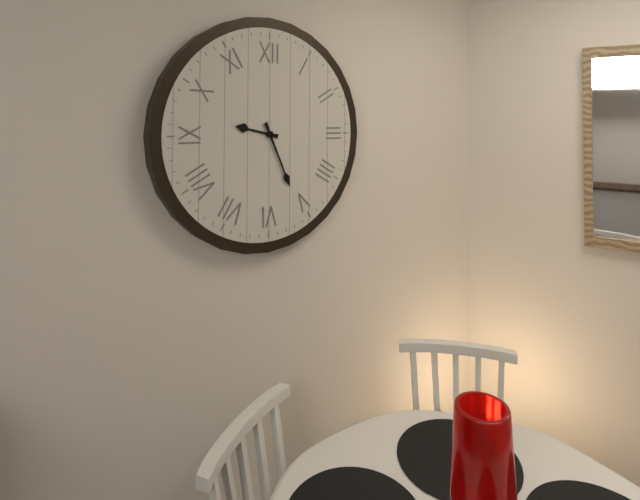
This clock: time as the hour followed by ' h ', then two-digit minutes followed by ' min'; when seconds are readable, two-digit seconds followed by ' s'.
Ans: 9 h 26 min
